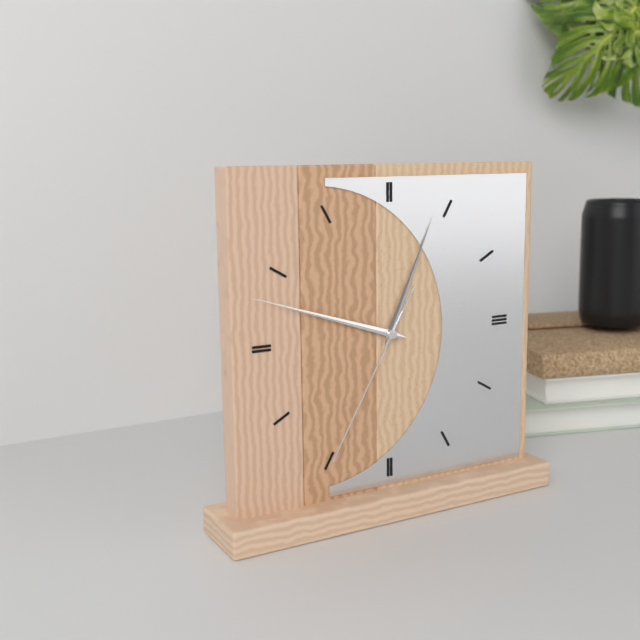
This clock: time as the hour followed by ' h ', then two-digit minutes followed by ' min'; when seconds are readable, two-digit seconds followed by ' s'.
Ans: 12 h 48 min 35 s
